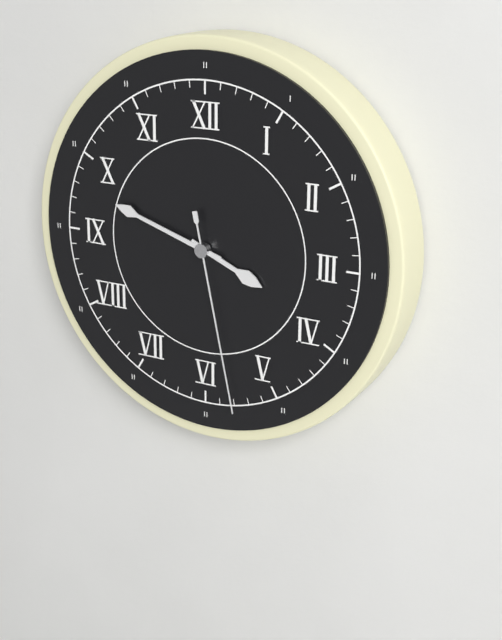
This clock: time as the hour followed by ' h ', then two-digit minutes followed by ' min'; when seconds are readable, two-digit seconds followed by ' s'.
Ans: 3 h 48 min 28 s
